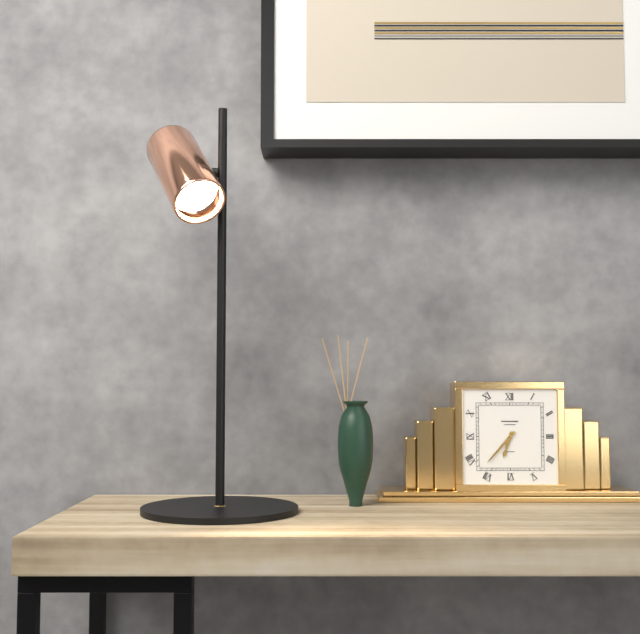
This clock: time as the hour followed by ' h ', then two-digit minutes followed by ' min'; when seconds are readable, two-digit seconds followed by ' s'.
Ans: 6 h 37 min
